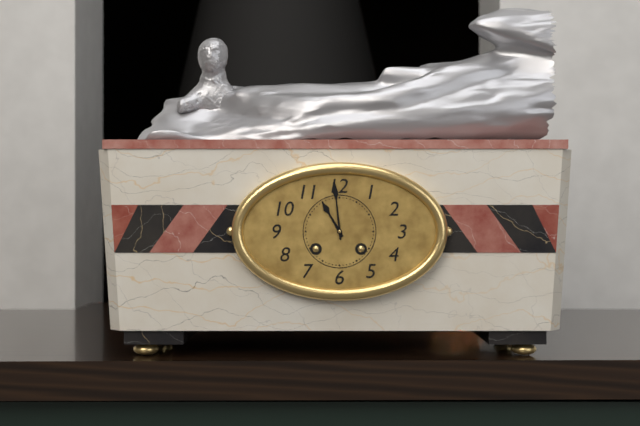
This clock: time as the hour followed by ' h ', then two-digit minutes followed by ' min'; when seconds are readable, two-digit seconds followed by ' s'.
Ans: 10 h 59 min
